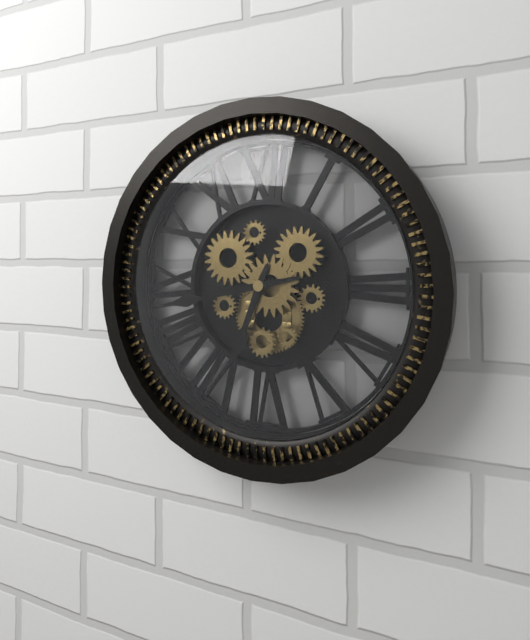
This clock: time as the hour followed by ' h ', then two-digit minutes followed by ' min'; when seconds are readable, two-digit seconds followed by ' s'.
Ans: 6 h 43 min
